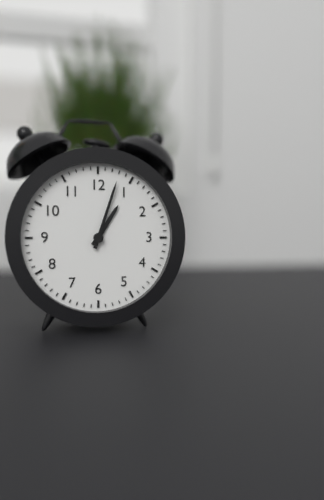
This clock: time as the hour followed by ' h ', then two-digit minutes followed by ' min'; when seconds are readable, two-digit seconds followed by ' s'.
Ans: 1 h 03 min
